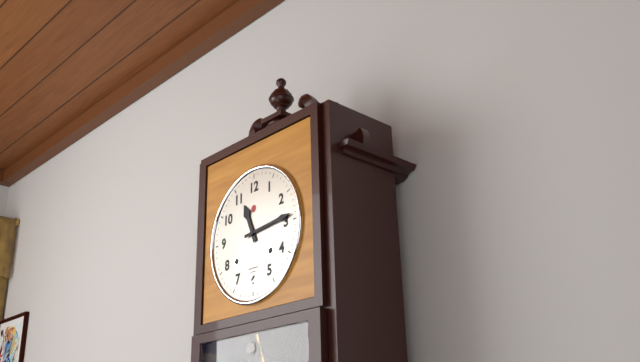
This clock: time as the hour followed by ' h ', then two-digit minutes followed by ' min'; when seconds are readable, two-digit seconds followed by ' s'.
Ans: 11 h 14 min
